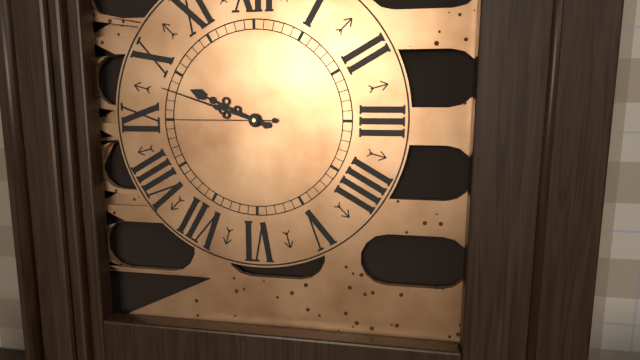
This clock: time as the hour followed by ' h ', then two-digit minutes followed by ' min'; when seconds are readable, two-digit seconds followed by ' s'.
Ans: 9 h 48 min 45 s
